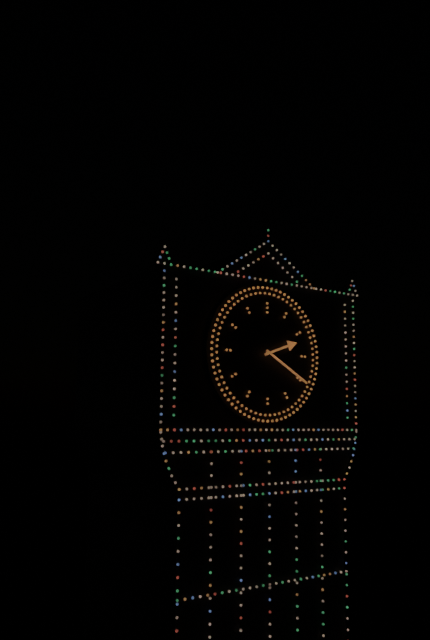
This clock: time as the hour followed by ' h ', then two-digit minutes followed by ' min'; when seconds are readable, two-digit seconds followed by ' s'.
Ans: 2 h 20 min
